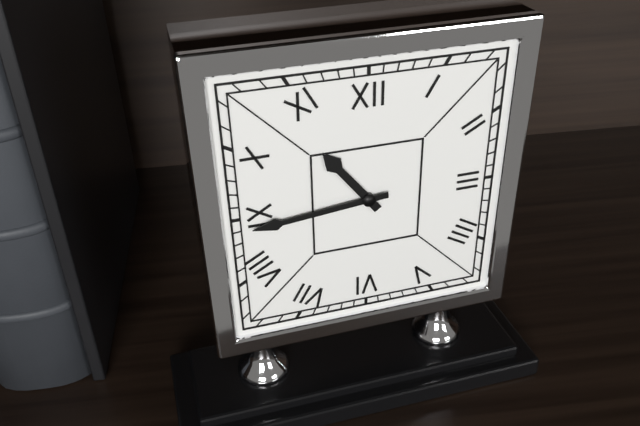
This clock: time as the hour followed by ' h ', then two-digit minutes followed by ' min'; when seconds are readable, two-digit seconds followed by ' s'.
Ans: 10 h 44 min
